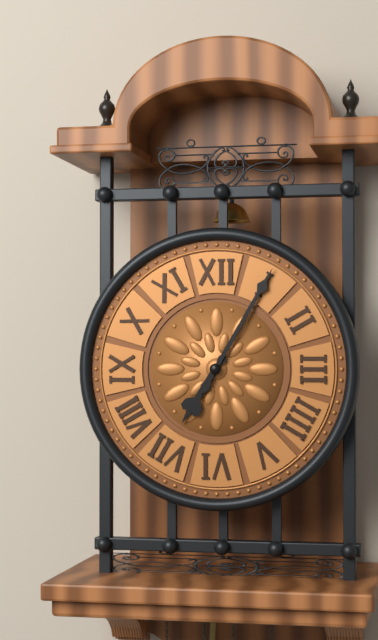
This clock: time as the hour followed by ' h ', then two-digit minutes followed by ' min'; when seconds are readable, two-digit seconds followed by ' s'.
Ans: 7 h 05 min
